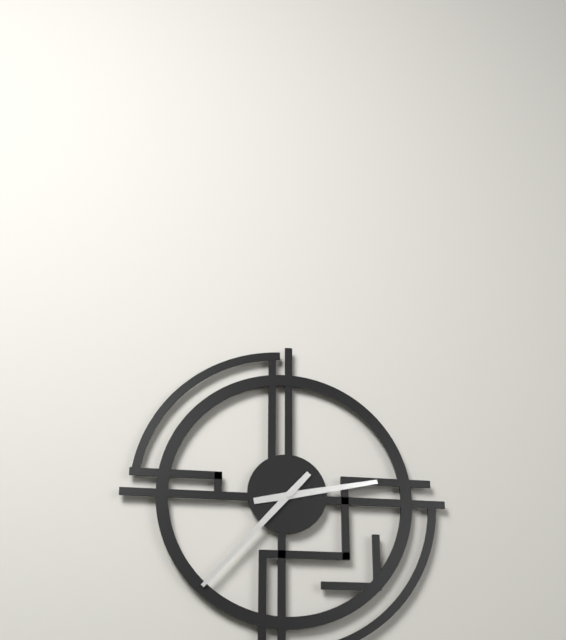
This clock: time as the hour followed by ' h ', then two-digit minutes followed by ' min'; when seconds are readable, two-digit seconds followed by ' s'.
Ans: 2 h 37 min
